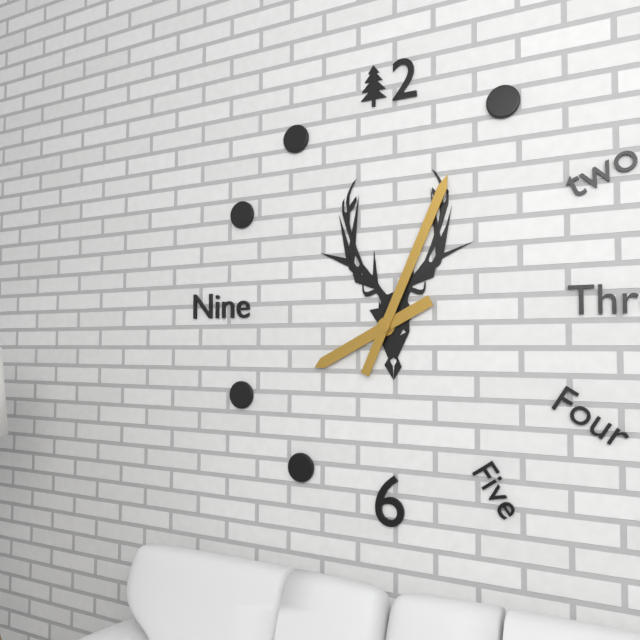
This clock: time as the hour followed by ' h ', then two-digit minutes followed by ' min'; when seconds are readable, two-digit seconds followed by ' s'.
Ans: 8 h 04 min
